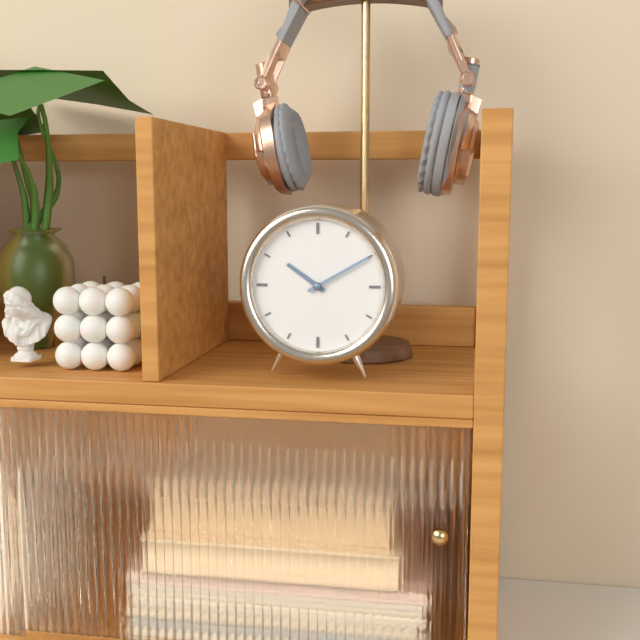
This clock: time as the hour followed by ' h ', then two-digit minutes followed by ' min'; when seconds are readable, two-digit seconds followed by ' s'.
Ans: 10 h 10 min
